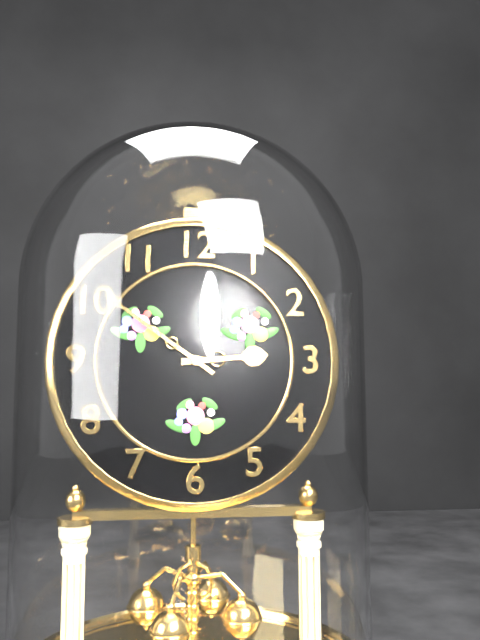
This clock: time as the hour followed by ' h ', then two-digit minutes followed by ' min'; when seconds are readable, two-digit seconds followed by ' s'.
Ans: 2 h 51 min
